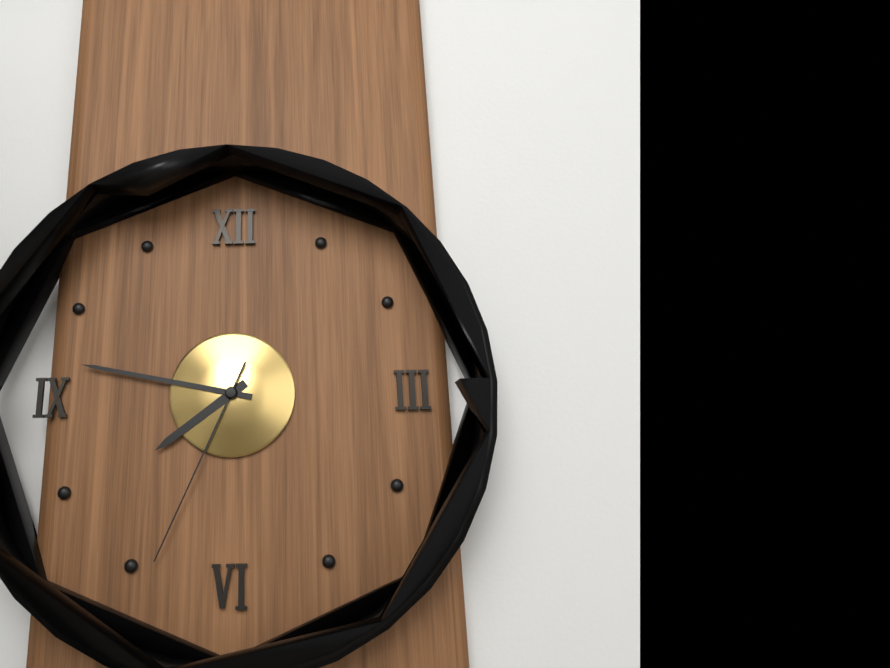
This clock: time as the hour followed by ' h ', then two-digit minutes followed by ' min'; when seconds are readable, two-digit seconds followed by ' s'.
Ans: 7 h 47 min 34 s
